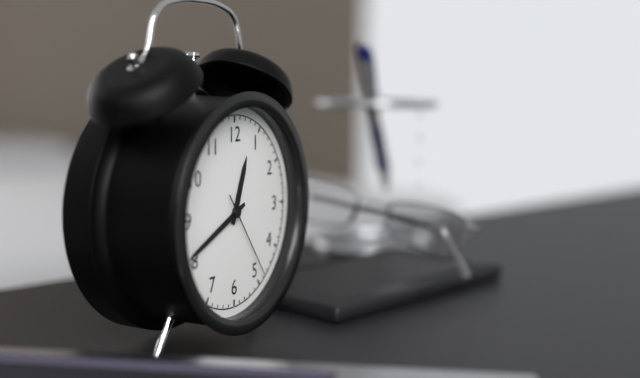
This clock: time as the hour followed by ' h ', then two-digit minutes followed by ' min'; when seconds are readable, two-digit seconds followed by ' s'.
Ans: 12 h 41 min 24 s
